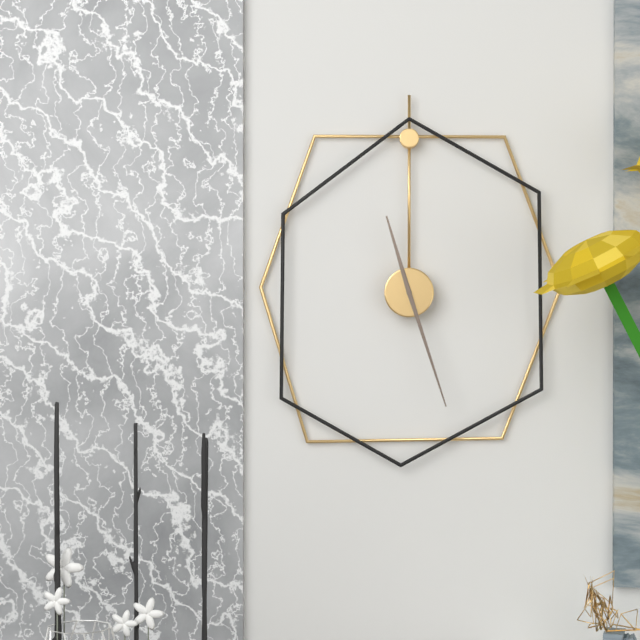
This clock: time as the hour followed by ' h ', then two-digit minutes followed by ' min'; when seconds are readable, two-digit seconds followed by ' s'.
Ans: 11 h 27 min
